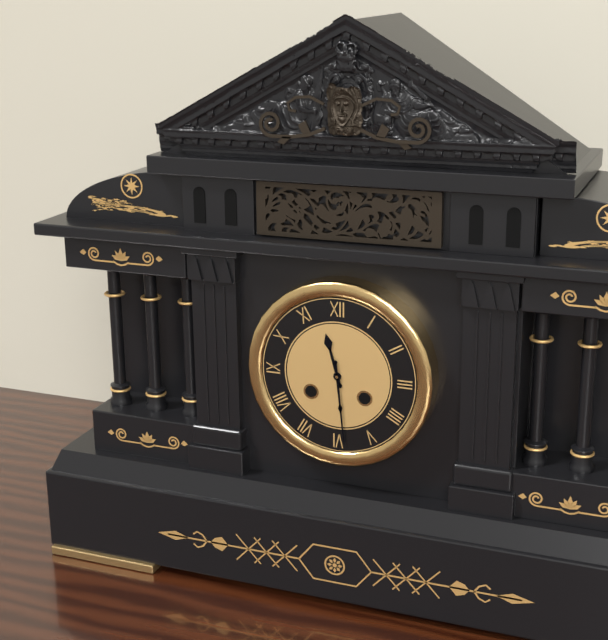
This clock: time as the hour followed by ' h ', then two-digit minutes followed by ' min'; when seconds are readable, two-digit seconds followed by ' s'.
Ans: 11 h 29 min
